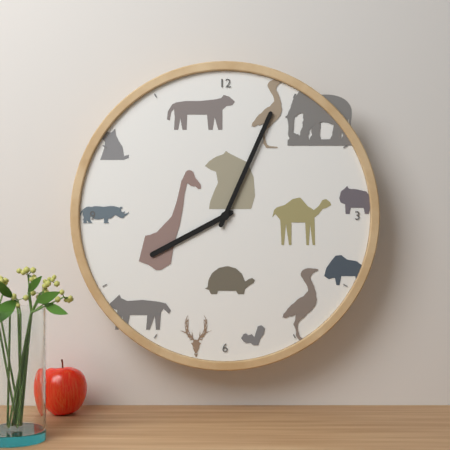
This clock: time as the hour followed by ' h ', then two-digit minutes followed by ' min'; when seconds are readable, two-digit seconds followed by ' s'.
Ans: 8 h 04 min
